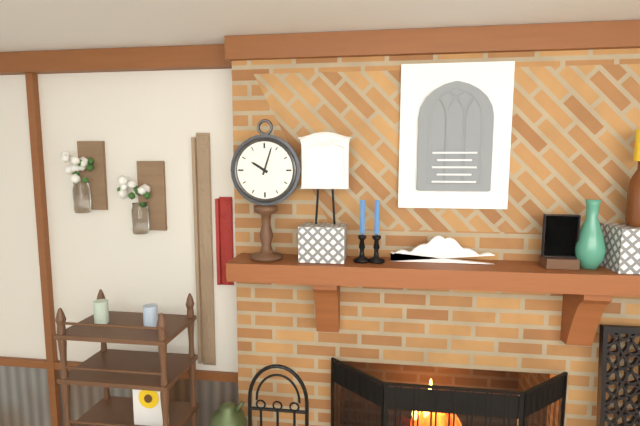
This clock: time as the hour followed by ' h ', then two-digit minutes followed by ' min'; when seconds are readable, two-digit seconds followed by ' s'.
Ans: 10 h 03 min
